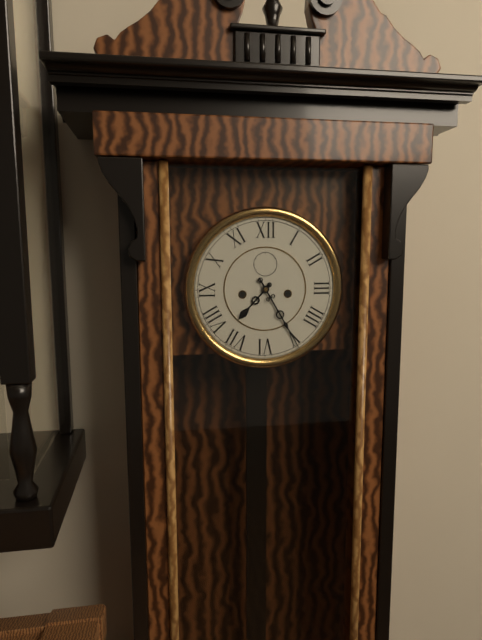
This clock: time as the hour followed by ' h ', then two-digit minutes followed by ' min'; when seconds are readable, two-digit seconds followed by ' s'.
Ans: 7 h 25 min
